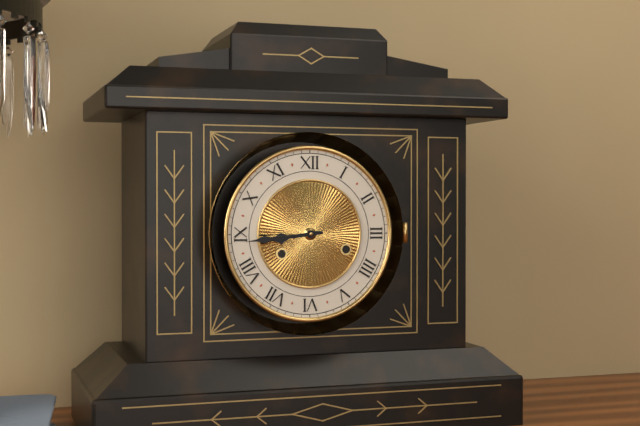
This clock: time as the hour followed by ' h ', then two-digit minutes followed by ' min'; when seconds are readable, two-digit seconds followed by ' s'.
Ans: 8 h 44 min
